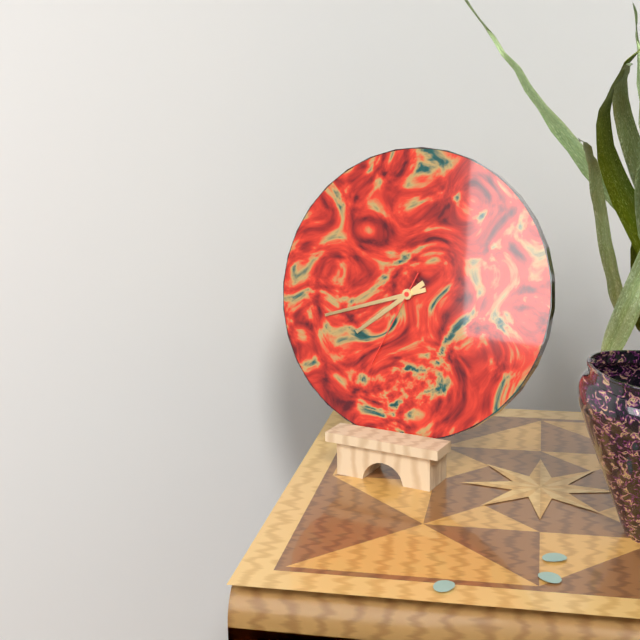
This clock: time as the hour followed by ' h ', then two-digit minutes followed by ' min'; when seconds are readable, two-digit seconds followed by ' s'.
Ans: 7 h 42 min 34 s
